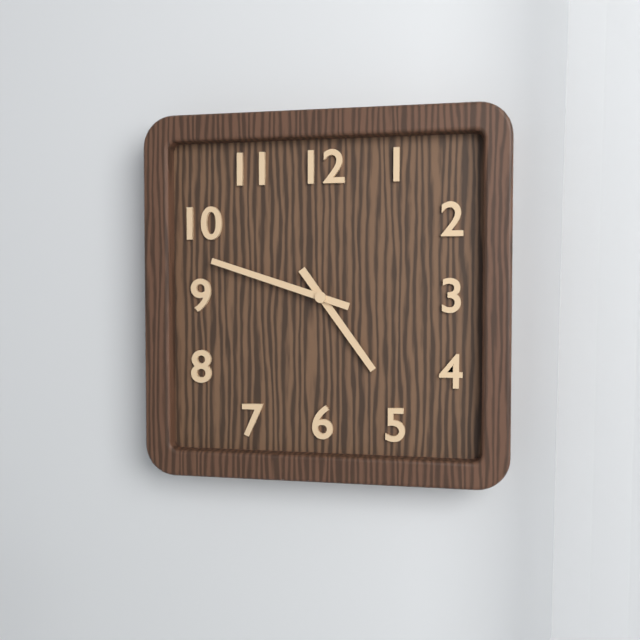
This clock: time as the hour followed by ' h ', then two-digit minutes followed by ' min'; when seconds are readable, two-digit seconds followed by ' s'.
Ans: 4 h 48 min
